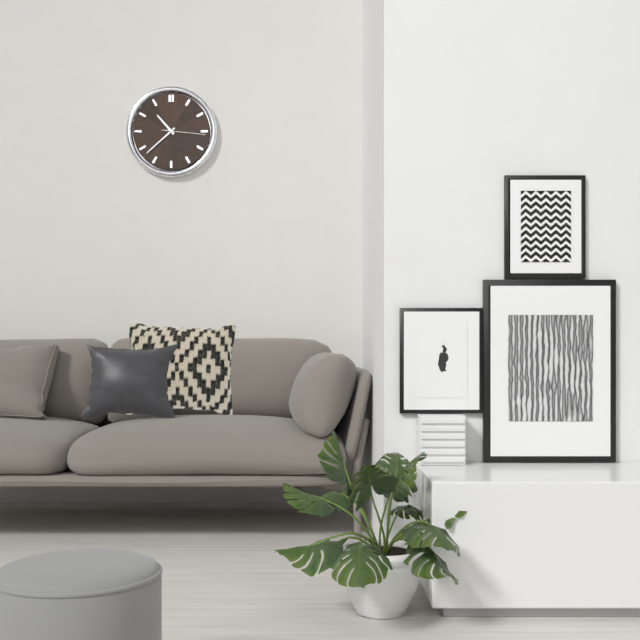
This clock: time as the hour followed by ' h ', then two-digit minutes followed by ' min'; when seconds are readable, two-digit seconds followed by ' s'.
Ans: 10 h 38 min
